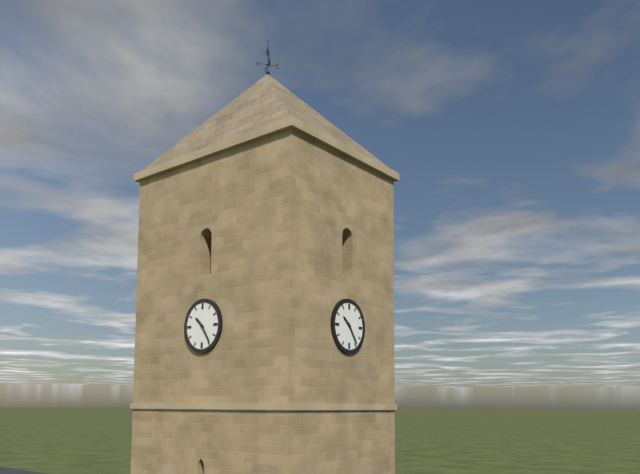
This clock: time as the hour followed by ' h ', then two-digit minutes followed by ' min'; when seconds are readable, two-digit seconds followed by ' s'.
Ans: 10 h 24 min
